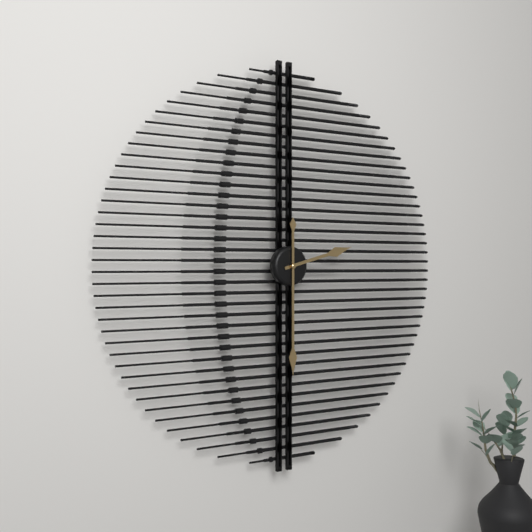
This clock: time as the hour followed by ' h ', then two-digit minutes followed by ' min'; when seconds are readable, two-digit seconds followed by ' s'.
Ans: 2 h 30 min
